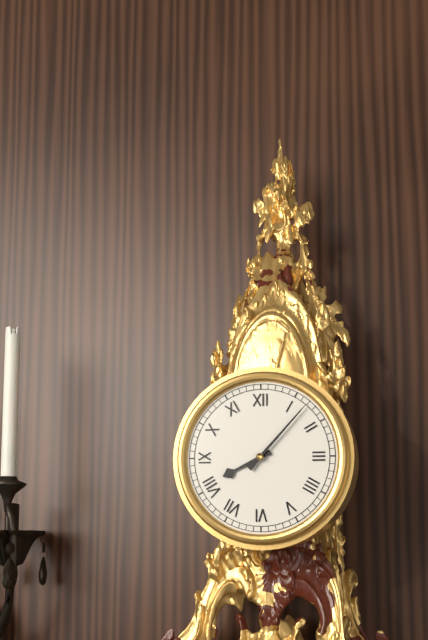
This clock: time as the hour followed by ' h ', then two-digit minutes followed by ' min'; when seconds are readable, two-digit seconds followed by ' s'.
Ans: 8 h 07 min
